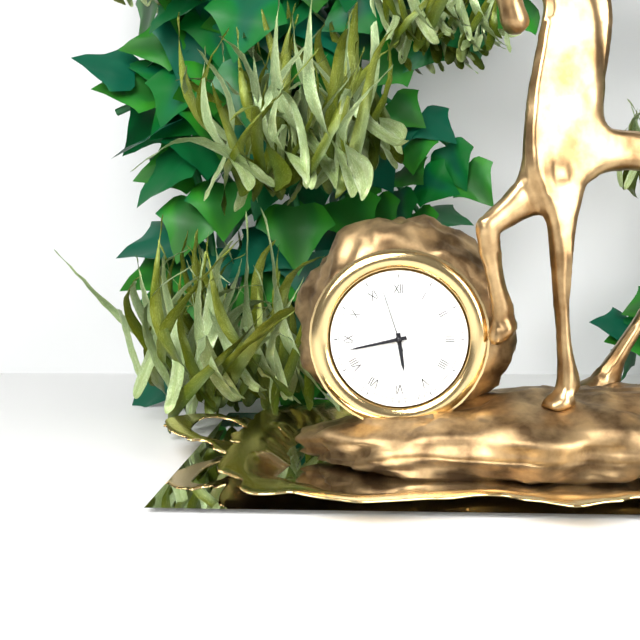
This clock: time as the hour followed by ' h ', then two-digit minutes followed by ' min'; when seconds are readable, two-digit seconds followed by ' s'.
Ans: 5 h 43 min 57 s
